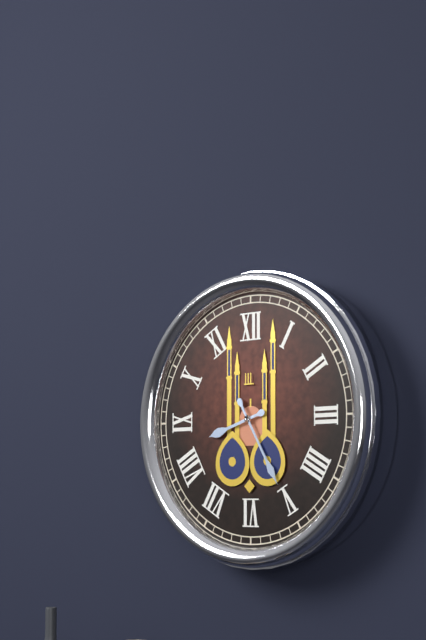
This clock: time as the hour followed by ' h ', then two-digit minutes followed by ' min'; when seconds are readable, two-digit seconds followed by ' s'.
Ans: 8 h 25 min
